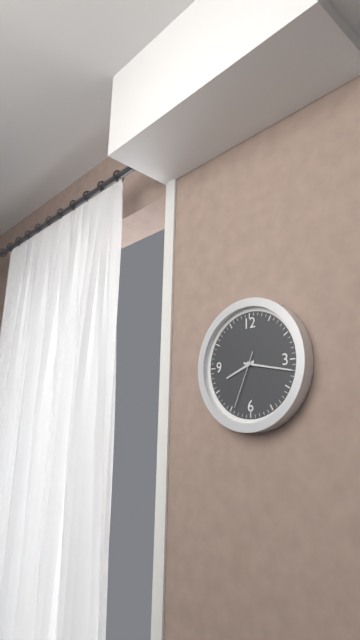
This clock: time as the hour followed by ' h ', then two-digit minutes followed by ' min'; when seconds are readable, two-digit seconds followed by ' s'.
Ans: 8 h 17 min 34 s
